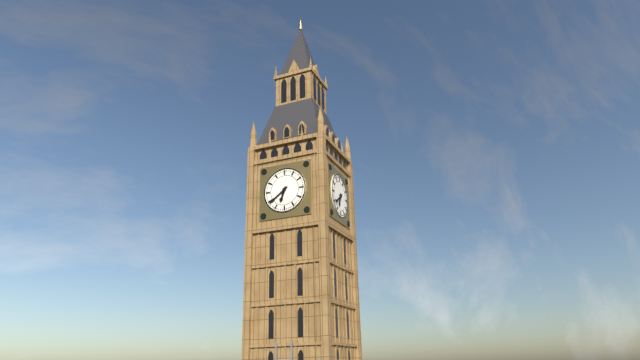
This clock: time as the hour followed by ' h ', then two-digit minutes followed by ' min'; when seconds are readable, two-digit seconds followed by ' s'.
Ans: 6 h 39 min
